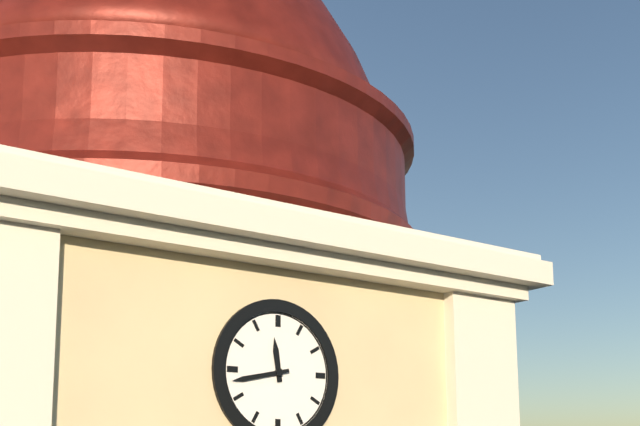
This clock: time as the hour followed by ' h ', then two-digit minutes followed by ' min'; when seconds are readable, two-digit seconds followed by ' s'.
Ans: 11 h 43 min
